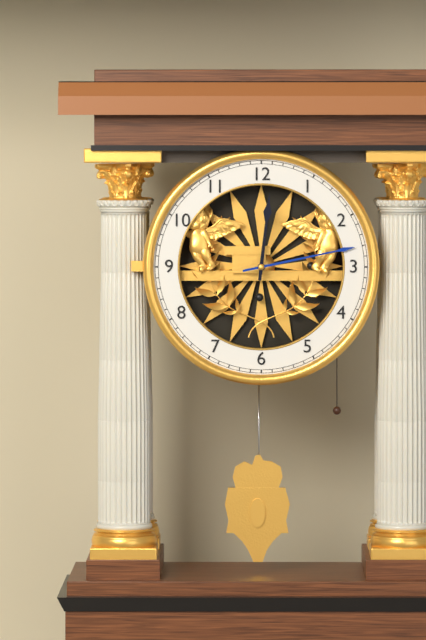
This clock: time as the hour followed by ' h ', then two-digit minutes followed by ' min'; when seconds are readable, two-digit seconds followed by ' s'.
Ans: 12 h 13 min
